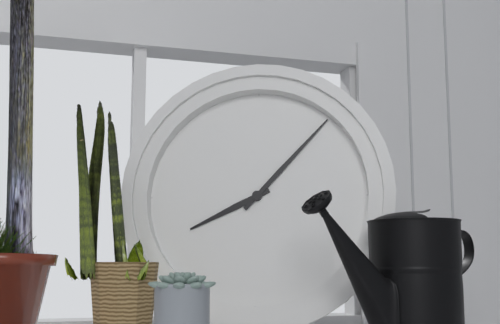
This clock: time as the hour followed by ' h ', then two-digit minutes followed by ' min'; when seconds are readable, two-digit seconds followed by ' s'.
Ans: 8 h 07 min
